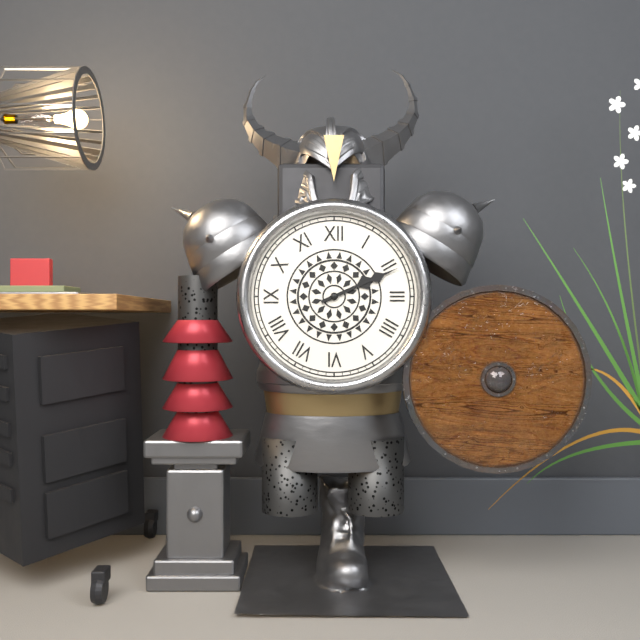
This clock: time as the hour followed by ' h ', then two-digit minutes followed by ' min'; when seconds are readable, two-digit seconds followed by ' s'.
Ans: 2 h 11 min
